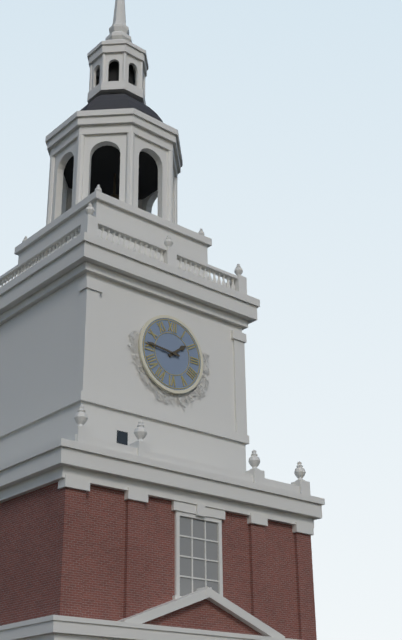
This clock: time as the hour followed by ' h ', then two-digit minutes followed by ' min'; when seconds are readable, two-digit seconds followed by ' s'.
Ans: 1 h 46 min
